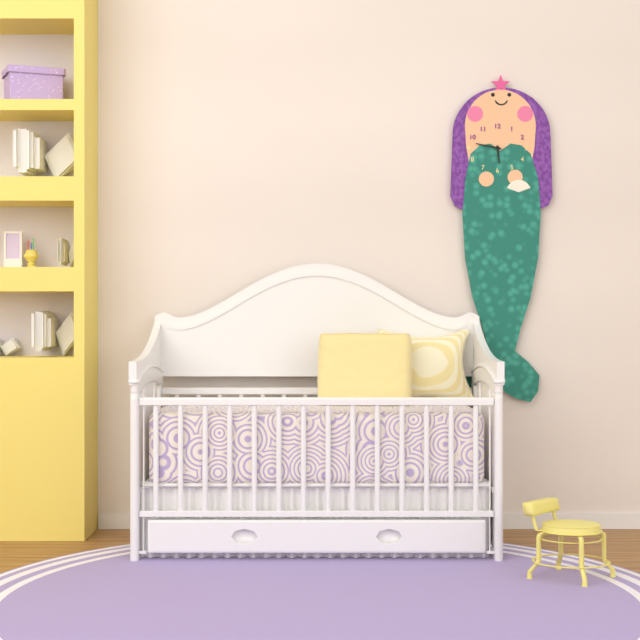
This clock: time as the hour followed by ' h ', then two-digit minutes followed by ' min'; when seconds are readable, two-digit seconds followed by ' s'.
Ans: 5 h 47 min
